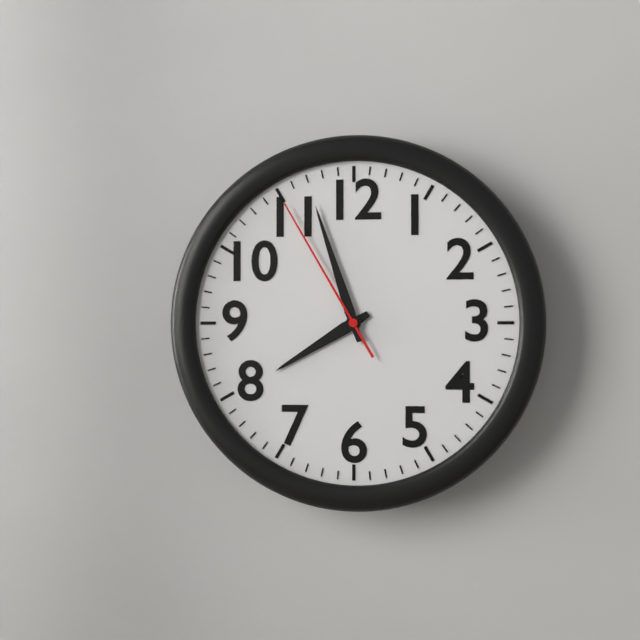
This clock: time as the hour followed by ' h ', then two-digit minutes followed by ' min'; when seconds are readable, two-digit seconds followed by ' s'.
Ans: 7 h 57 min 55 s
